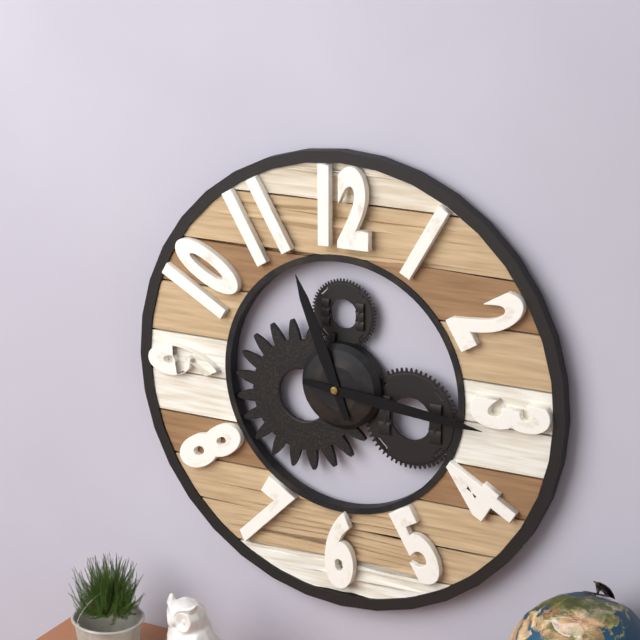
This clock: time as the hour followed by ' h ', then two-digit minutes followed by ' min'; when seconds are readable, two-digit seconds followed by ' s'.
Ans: 11 h 16 min
